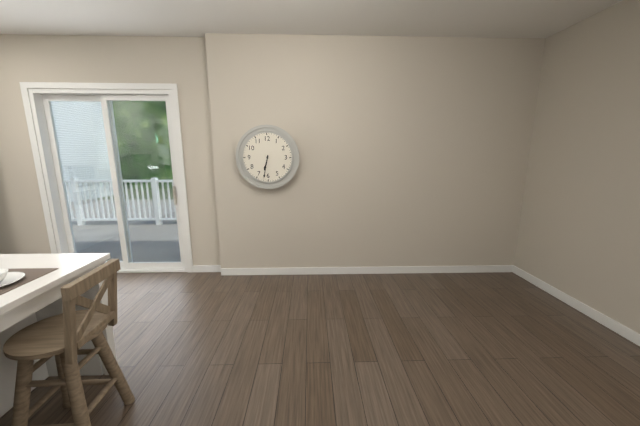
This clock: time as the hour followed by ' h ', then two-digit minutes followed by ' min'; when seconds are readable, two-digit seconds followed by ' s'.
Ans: 6 h 32 min
